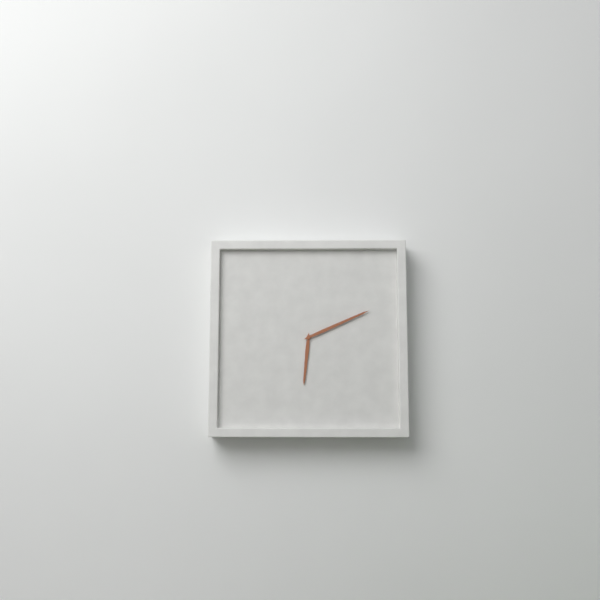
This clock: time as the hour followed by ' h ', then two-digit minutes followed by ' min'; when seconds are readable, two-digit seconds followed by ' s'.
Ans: 6 h 11 min
